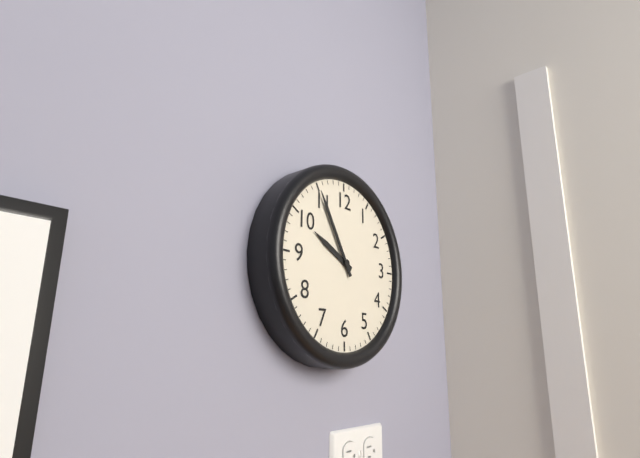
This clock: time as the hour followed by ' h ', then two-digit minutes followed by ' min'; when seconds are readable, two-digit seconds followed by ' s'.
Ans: 9 h 55 min
